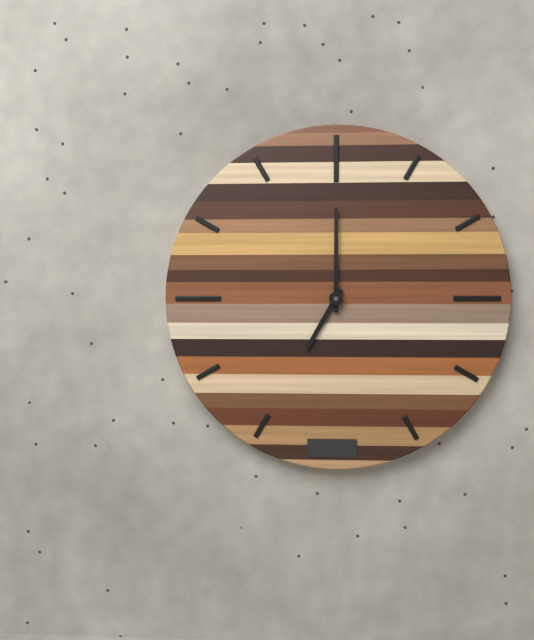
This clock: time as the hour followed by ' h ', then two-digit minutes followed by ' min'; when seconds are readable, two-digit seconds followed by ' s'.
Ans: 7 h 00 min
